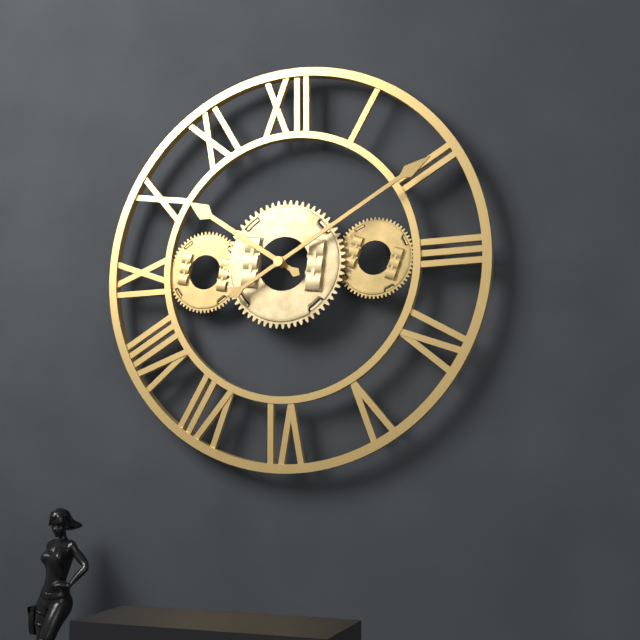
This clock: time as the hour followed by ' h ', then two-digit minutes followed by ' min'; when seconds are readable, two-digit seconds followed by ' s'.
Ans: 10 h 10 min
